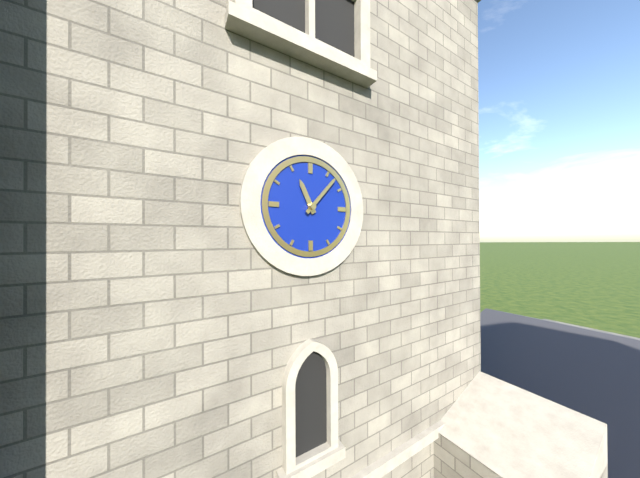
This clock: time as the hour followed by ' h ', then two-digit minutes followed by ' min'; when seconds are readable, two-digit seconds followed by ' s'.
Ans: 11 h 07 min
